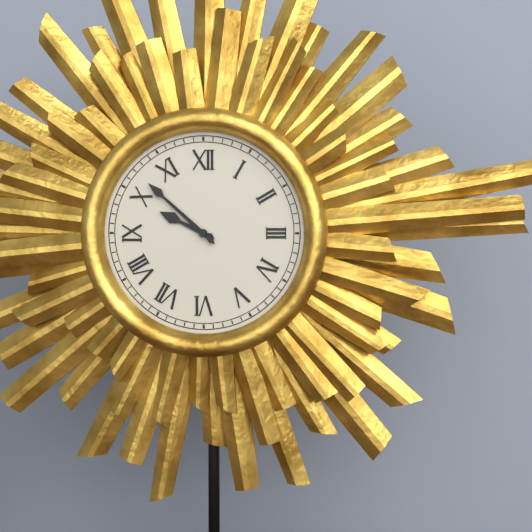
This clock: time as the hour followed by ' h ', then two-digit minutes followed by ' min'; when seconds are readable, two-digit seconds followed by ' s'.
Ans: 9 h 52 min
